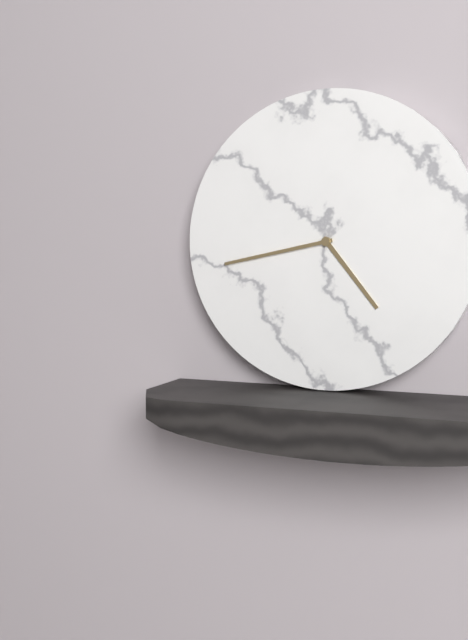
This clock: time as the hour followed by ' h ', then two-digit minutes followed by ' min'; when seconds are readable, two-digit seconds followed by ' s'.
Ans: 4 h 43 min
